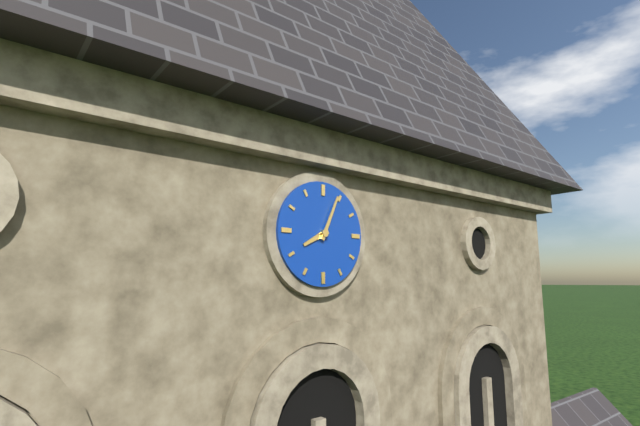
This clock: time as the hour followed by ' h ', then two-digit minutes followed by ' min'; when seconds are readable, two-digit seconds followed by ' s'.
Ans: 8 h 04 min
